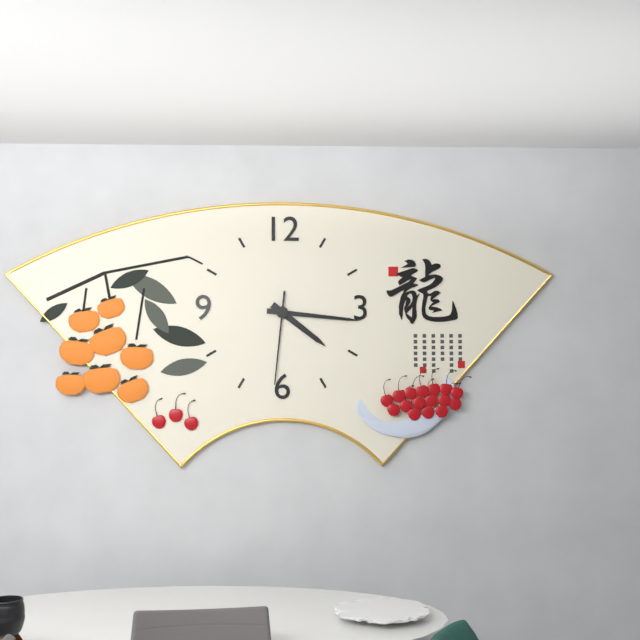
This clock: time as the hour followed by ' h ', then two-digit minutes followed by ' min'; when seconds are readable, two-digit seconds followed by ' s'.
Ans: 4 h 16 min 31 s
